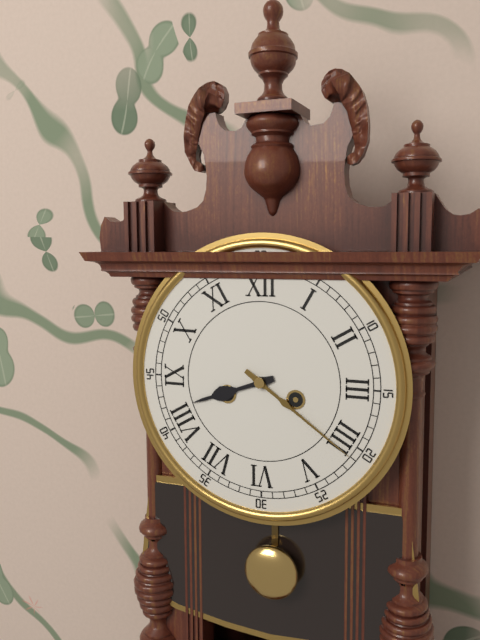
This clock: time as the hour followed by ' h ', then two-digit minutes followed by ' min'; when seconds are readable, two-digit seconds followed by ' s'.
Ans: 8 h 21 min
